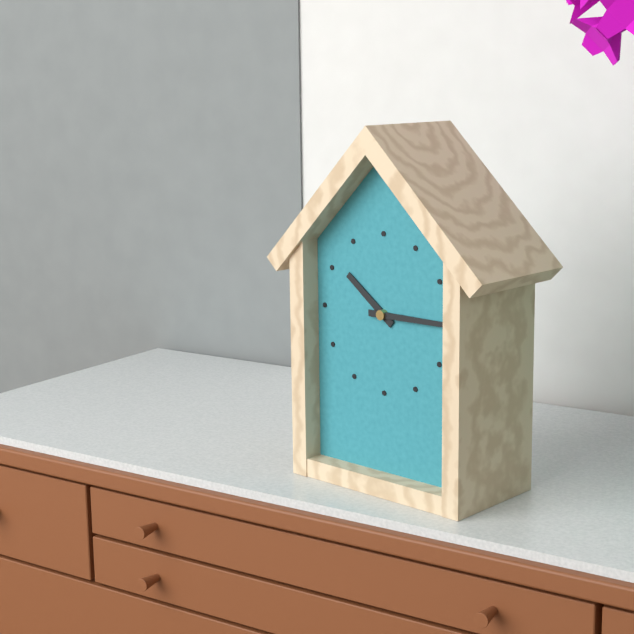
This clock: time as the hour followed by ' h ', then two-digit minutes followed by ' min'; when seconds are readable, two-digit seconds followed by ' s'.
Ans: 10 h 15 min
